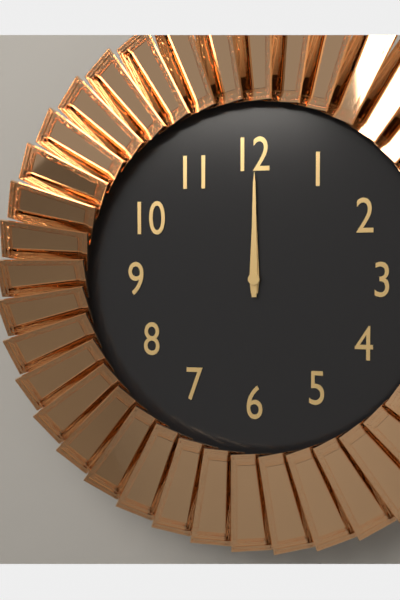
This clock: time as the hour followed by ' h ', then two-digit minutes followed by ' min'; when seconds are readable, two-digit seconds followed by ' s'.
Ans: 12 h 00 min
